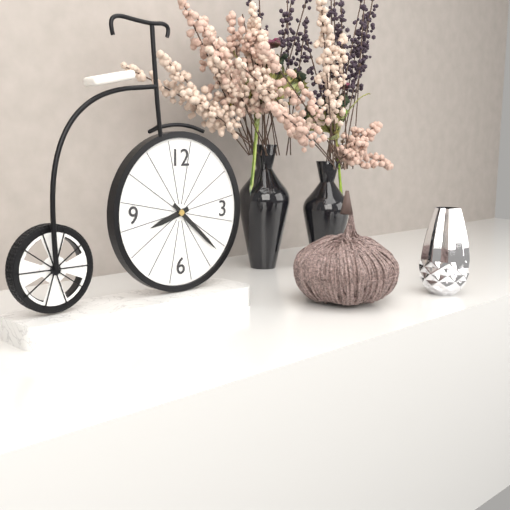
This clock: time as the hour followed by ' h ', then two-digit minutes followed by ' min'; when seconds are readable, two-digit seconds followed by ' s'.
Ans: 8 h 22 min
